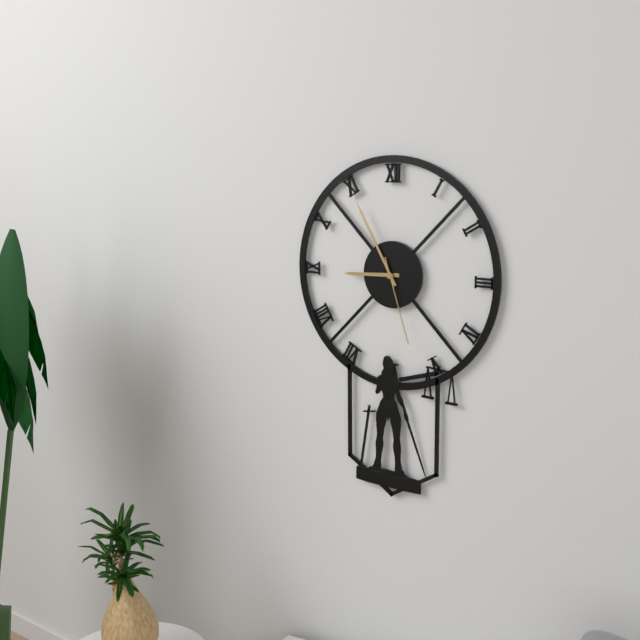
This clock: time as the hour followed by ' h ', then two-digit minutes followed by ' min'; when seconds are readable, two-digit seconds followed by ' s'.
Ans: 8 h 55 min 27 s
